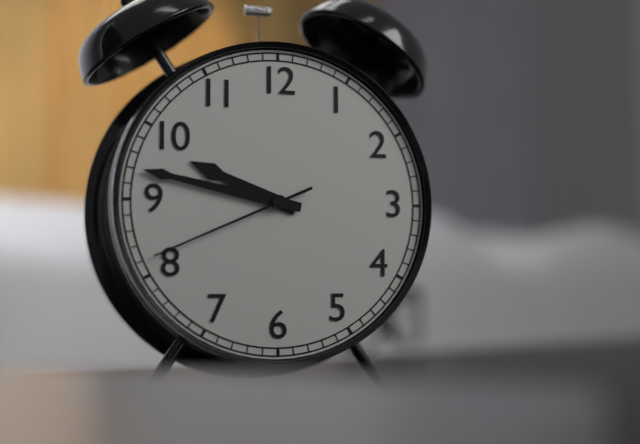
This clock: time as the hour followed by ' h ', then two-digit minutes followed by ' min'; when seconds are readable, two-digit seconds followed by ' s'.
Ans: 9 h 47 min 41 s
